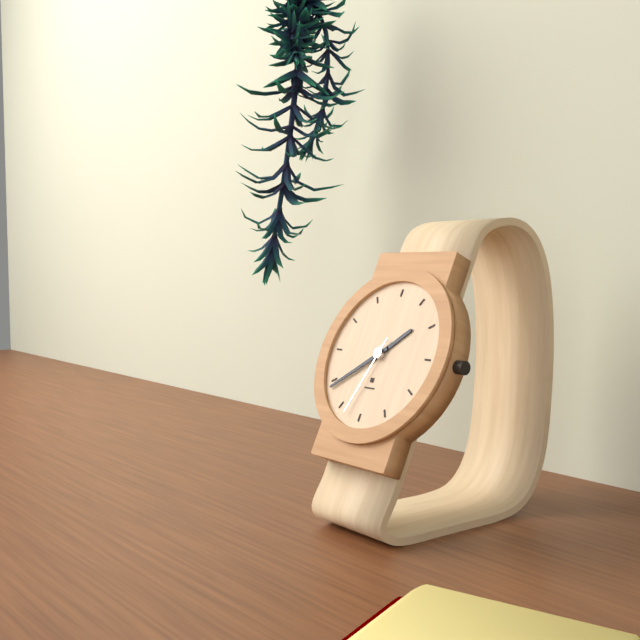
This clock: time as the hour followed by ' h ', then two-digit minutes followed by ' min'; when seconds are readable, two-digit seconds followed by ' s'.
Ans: 1 h 39 min 33 s
